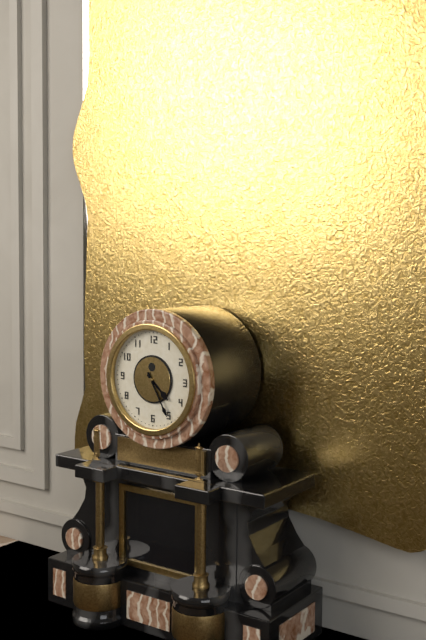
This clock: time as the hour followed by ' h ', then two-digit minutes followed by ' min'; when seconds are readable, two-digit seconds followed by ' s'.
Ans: 4 h 25 min
